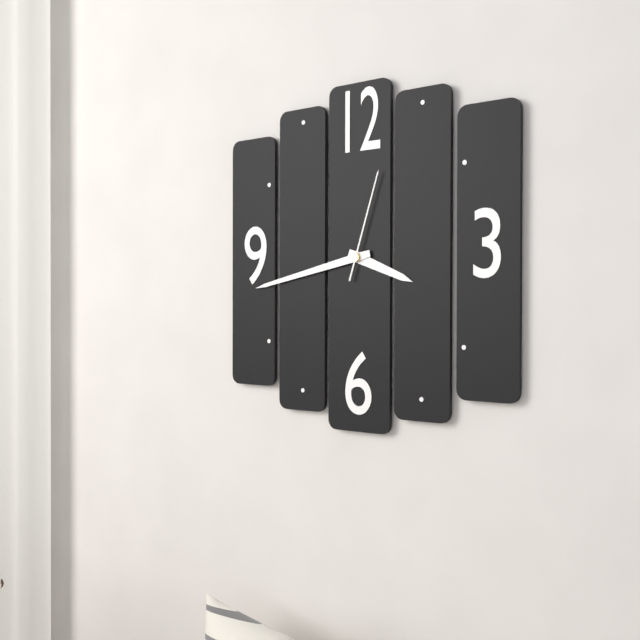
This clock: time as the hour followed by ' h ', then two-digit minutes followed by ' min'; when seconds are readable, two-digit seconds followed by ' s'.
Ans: 3 h 43 min 03 s
